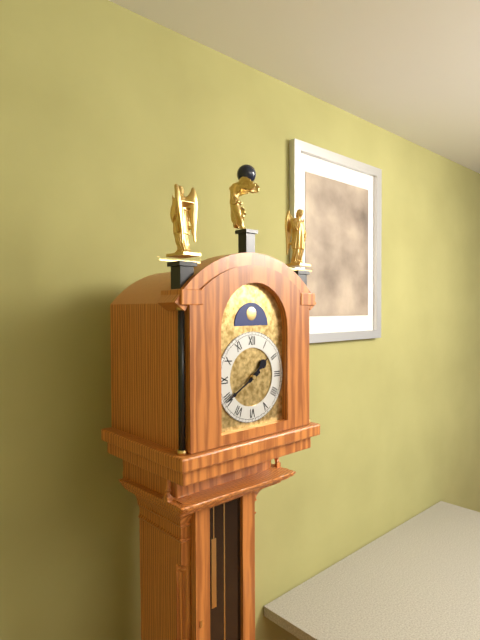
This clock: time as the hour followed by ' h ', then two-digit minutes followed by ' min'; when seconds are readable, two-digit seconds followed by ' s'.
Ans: 1 h 40 min
